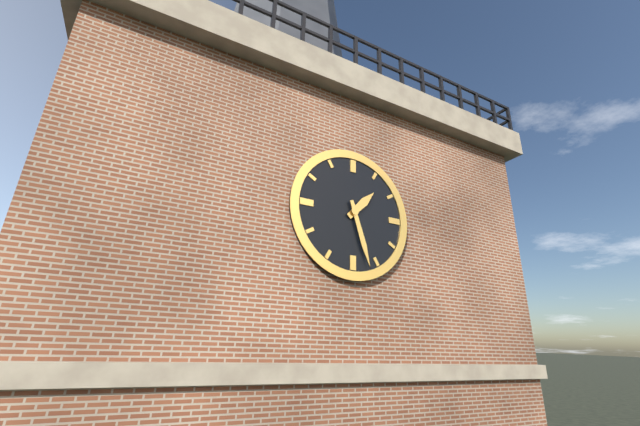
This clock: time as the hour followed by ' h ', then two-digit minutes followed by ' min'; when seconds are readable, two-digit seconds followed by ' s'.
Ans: 1 h 27 min
